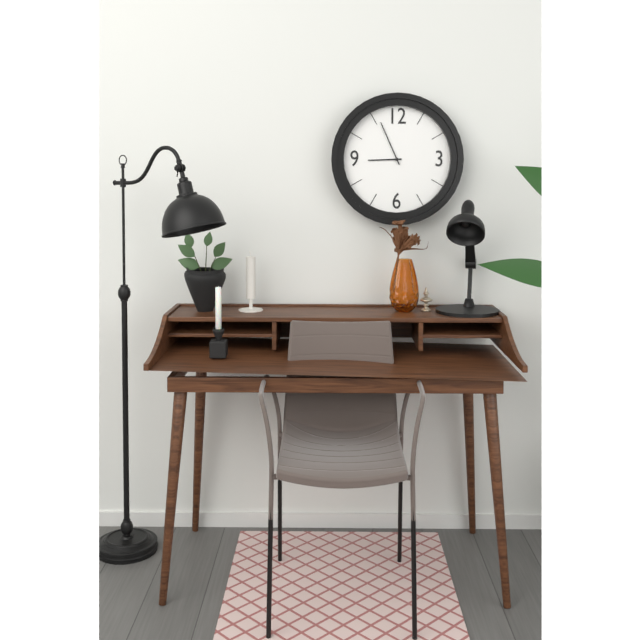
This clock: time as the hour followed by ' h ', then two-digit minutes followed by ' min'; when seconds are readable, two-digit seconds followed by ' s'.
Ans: 8 h 56 min
